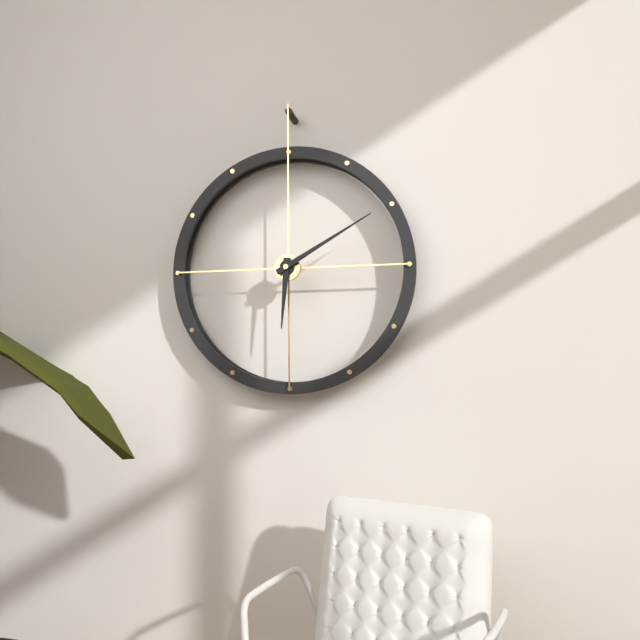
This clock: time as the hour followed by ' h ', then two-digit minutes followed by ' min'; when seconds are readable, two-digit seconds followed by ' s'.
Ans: 6 h 10 min
